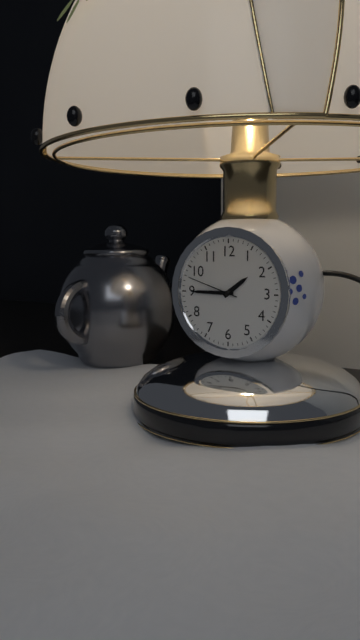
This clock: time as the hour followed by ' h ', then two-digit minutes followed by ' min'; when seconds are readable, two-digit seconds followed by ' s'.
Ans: 1 h 45 min 48 s
